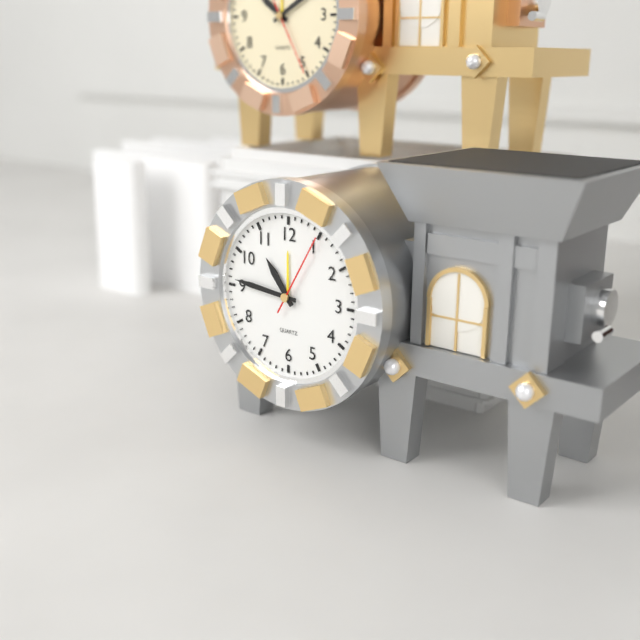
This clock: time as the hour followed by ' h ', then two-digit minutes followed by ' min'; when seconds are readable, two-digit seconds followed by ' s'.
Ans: 10 h 46 min 05 s
